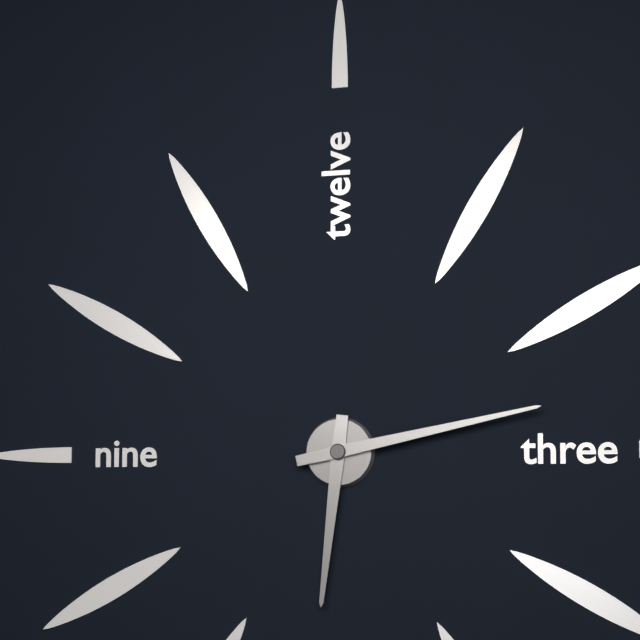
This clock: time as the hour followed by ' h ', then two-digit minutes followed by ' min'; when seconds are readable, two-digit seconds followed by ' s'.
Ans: 6 h 13 min
